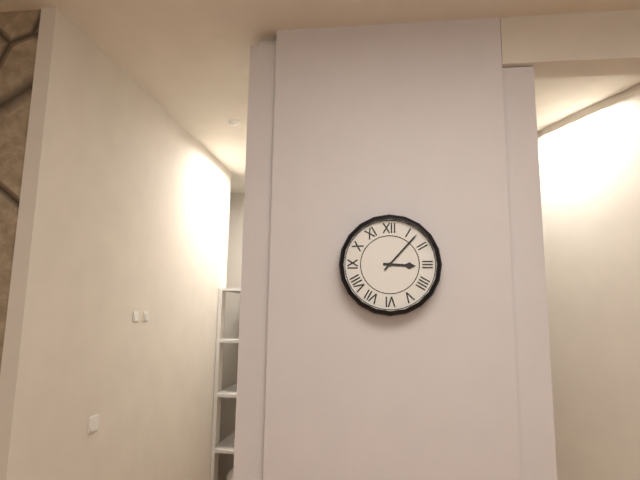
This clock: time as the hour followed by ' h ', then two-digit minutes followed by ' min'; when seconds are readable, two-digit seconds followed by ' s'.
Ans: 3 h 07 min
